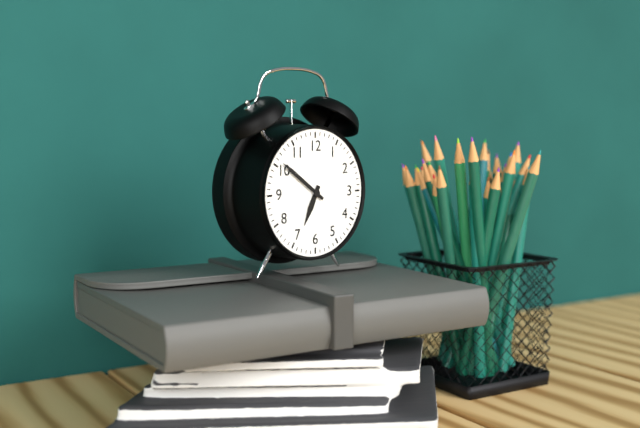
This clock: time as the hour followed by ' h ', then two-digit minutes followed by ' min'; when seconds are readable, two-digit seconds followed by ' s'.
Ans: 6 h 51 min
